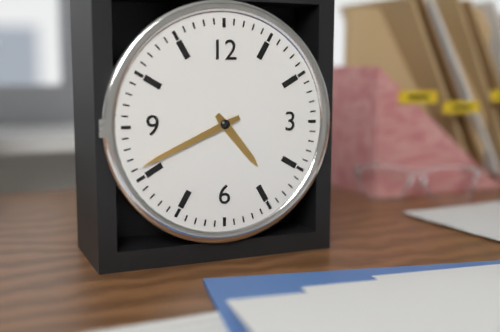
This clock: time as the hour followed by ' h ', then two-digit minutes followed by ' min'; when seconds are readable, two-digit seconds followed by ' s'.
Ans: 4 h 41 min
